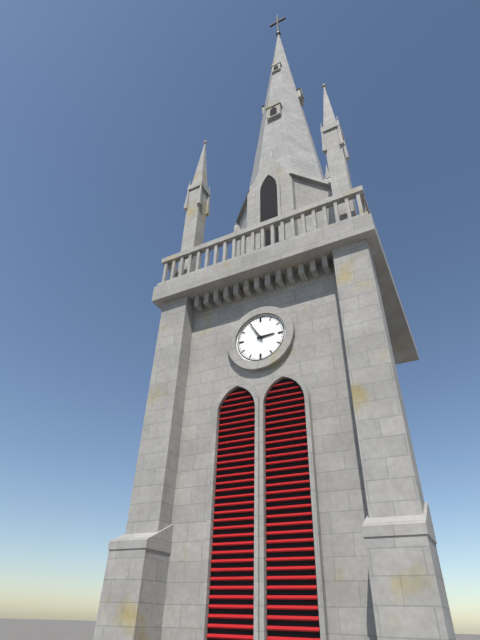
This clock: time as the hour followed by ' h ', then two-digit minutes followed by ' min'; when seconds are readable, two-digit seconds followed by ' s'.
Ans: 2 h 55 min
